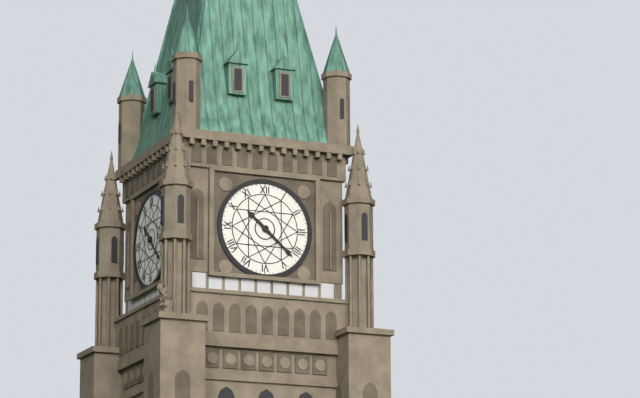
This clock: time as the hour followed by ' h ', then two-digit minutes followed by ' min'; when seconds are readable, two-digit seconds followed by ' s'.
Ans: 10 h 22 min
